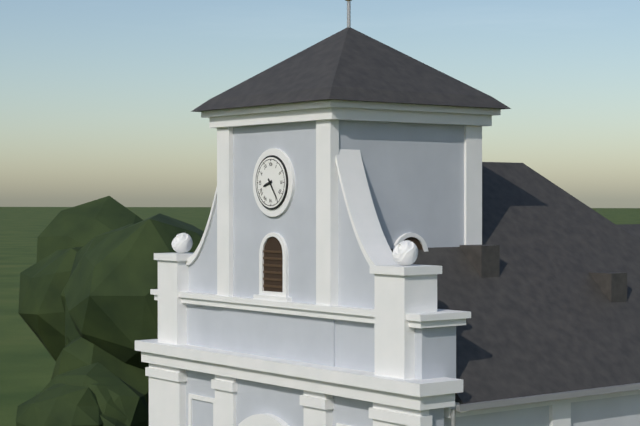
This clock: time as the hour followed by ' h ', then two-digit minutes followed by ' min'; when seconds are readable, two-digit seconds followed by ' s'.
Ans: 8 h 24 min
